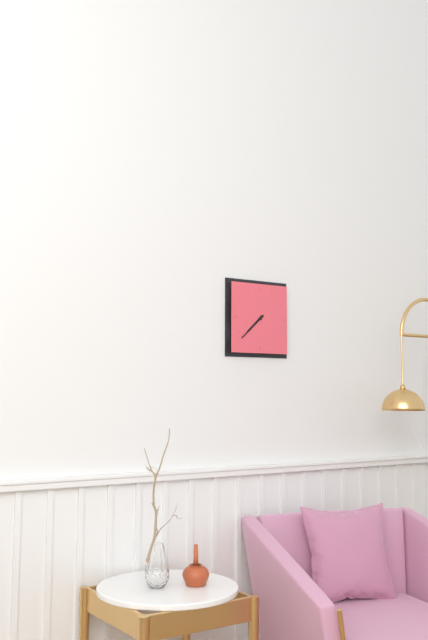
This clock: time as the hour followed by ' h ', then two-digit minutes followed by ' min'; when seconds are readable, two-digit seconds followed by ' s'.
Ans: 7 h 38 min
